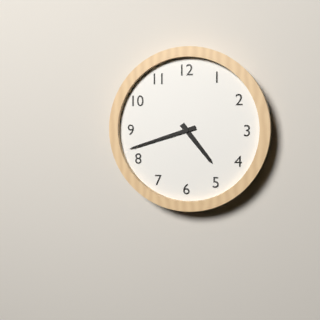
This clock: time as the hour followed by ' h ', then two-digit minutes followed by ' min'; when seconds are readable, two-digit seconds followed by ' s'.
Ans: 4 h 42 min
